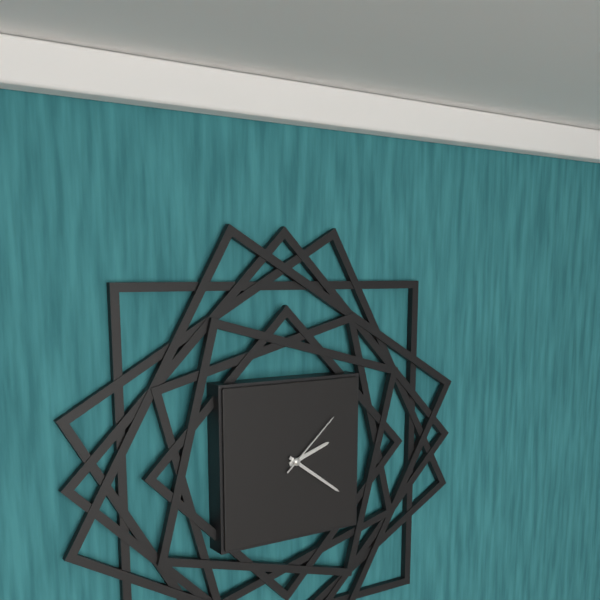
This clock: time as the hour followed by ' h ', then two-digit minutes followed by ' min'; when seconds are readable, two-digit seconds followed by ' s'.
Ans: 2 h 21 min 08 s
